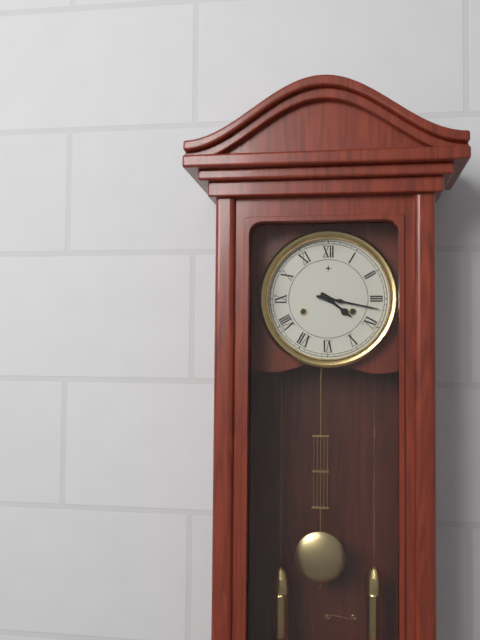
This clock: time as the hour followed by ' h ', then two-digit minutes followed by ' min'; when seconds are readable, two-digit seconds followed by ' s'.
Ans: 4 h 17 min
